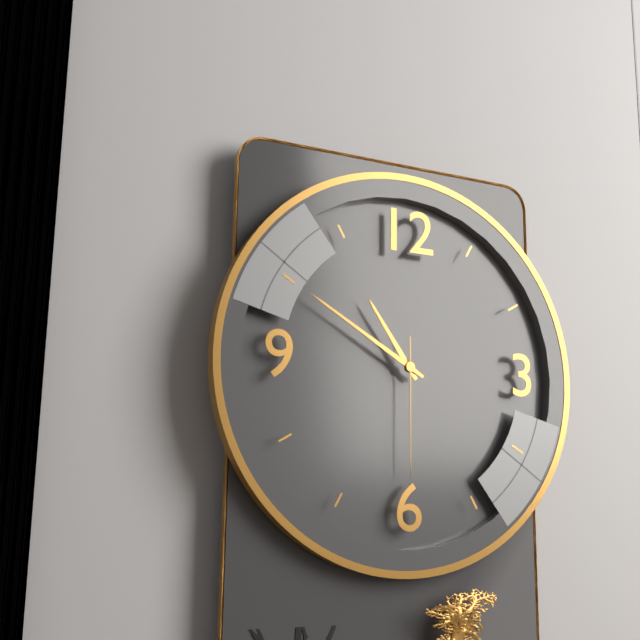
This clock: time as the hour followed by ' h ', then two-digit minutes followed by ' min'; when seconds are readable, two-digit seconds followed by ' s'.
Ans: 10 h 50 min 30 s
